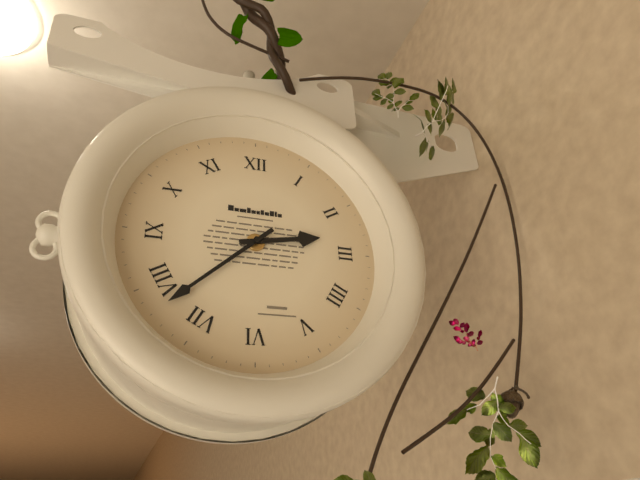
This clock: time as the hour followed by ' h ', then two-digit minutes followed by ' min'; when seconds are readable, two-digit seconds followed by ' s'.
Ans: 2 h 38 min
